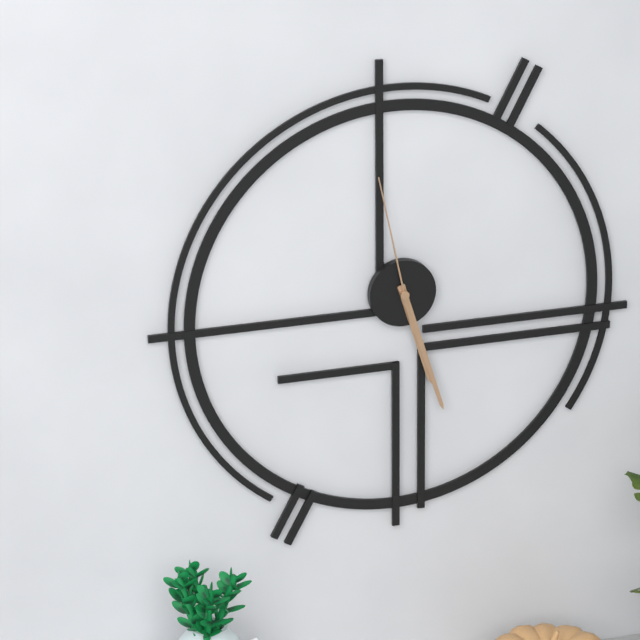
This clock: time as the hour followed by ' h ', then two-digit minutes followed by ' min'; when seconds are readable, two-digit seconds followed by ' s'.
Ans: 5 h 27 min 58 s
